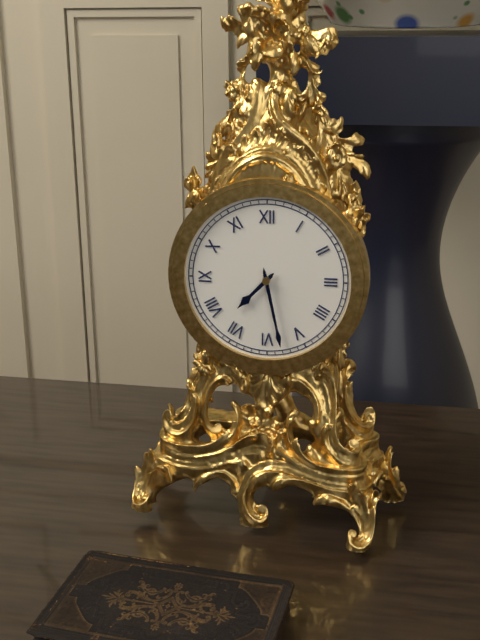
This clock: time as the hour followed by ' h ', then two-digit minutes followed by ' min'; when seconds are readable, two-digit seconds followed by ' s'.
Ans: 7 h 28 min
